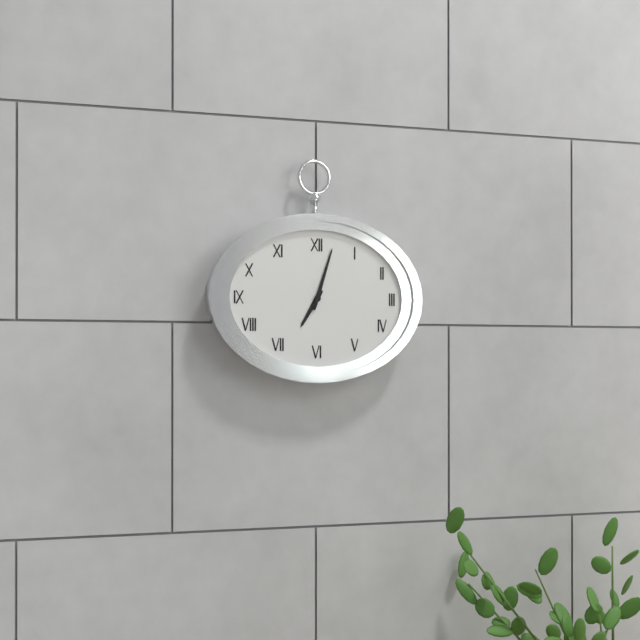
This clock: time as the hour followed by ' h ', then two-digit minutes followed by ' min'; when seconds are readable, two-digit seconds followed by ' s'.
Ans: 7 h 03 min
